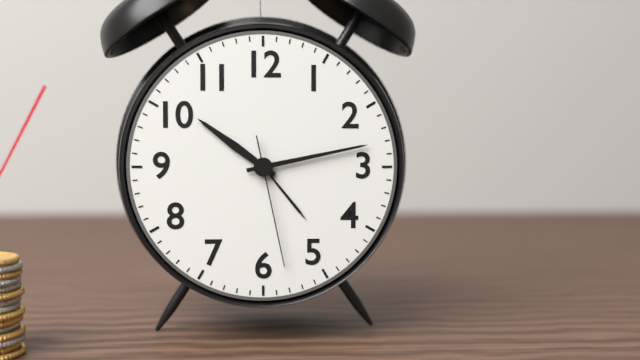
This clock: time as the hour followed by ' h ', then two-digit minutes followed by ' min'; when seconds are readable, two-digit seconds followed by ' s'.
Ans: 10 h 13 min 28 s
